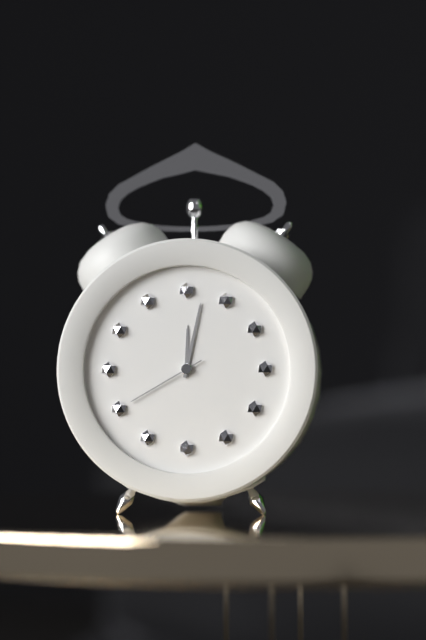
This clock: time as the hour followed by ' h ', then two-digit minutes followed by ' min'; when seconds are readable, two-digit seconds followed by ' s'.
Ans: 12 h 02 min 40 s
